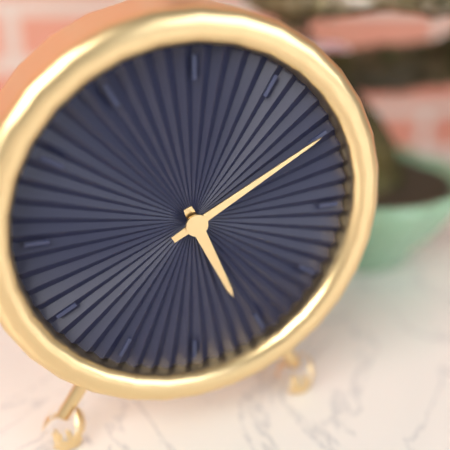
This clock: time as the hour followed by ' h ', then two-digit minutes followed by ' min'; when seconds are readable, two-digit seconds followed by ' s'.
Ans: 5 h 10 min
